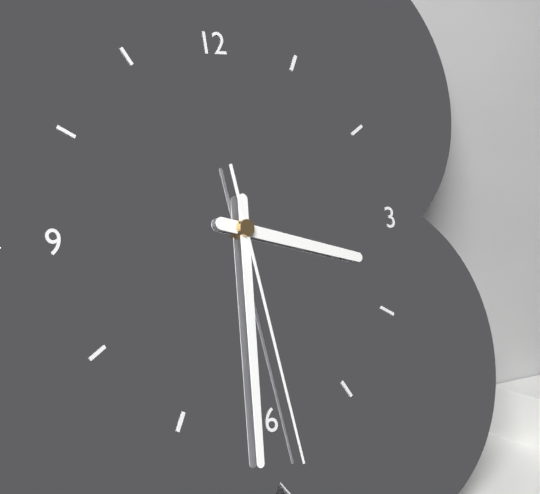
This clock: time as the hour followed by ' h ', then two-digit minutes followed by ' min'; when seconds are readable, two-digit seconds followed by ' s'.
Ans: 3 h 31 min 29 s
